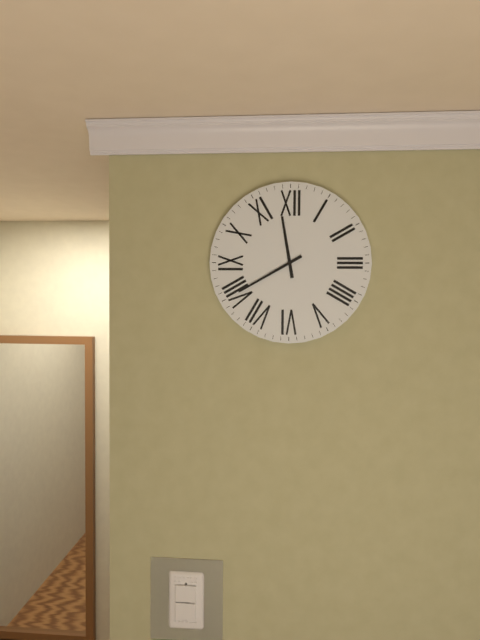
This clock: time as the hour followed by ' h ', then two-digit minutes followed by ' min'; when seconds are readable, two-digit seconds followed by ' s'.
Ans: 11 h 40 min
